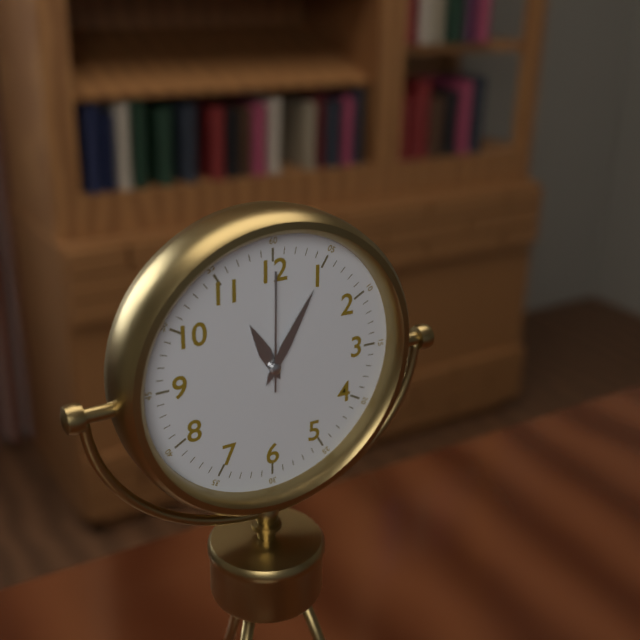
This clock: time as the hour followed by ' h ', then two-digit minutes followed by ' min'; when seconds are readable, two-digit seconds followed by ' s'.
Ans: 11 h 05 min 00 s
